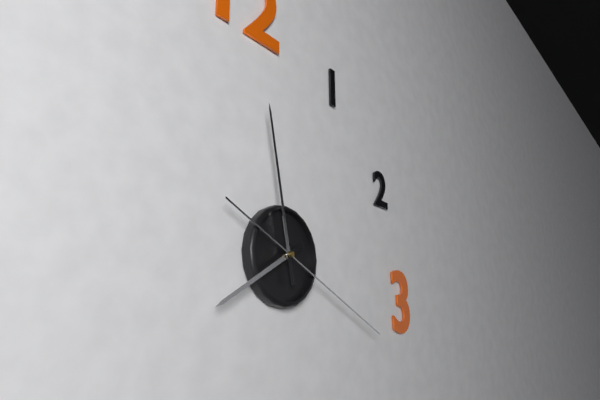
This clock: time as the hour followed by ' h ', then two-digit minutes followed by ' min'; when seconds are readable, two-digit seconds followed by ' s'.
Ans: 7 h 58 min 19 s
